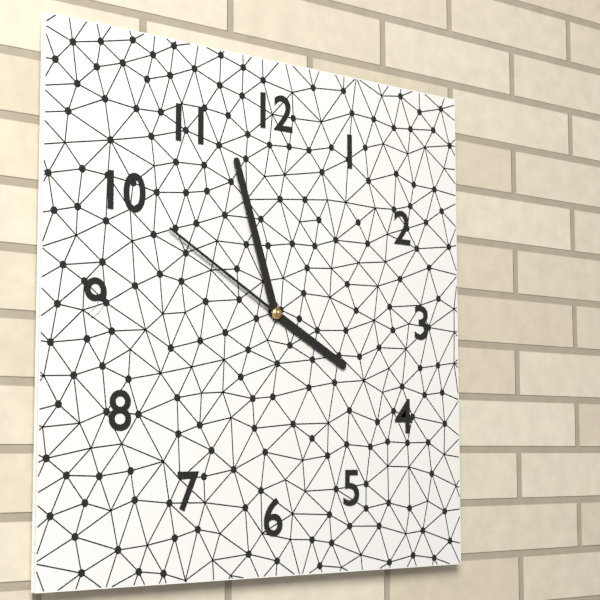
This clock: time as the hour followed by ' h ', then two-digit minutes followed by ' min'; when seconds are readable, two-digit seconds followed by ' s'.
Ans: 3 h 57 min 50 s
